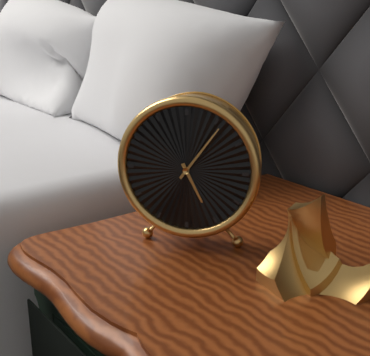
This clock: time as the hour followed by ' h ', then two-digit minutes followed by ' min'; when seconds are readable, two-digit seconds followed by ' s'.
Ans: 5 h 06 min
